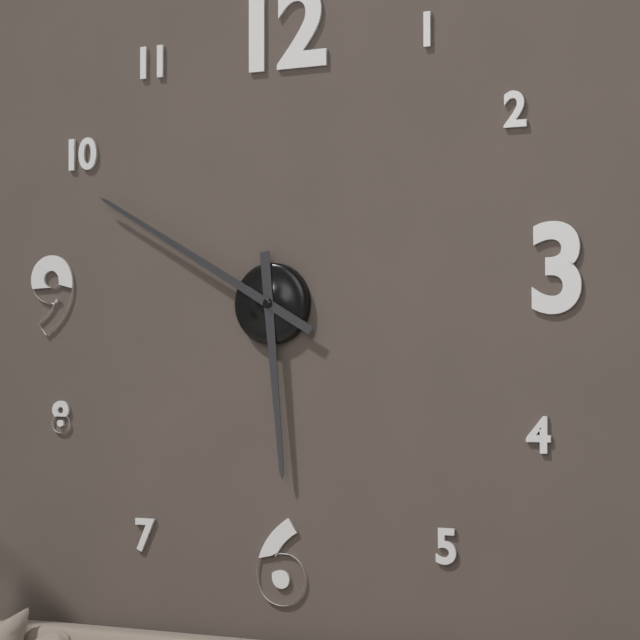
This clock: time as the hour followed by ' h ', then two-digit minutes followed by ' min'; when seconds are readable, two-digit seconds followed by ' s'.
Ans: 5 h 50 min
